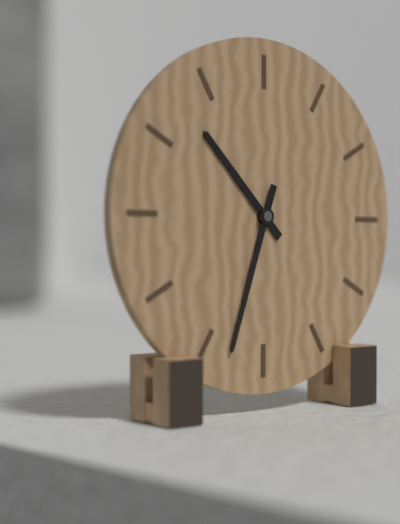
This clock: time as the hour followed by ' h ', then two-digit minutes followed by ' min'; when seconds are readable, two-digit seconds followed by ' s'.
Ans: 10 h 33 min
